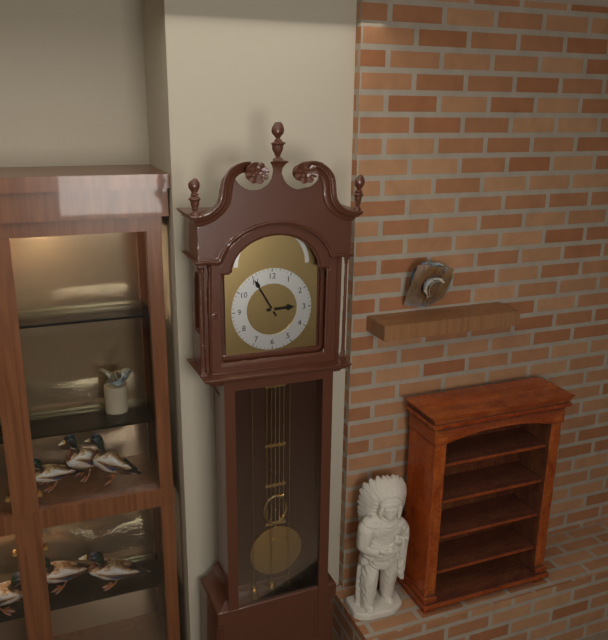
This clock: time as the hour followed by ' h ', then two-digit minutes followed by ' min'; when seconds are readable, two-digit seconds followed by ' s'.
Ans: 2 h 55 min
